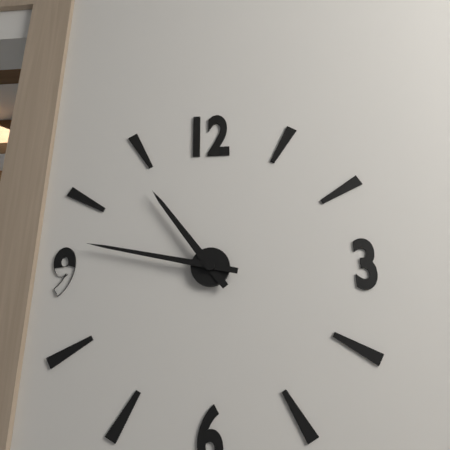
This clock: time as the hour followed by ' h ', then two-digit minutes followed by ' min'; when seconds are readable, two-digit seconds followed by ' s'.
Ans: 10 h 47 min
